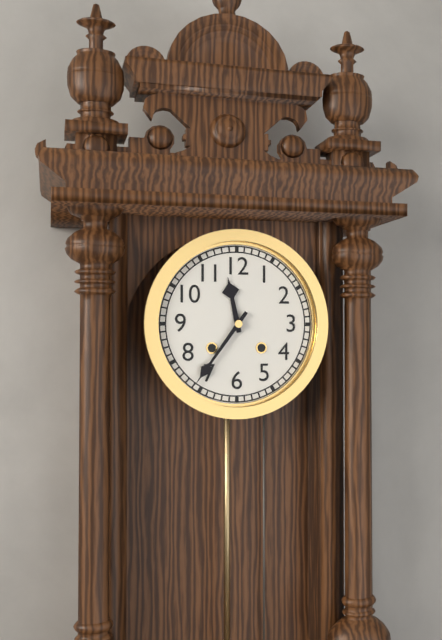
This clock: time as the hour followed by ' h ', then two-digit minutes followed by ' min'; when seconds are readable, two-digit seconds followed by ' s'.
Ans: 11 h 36 min
